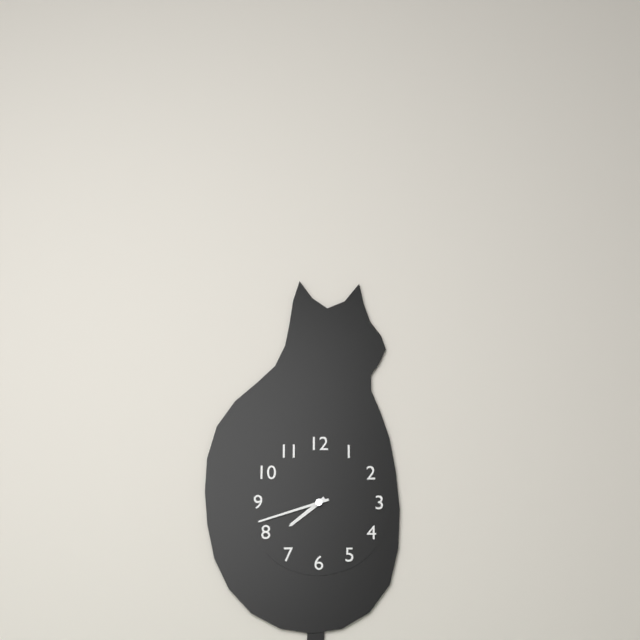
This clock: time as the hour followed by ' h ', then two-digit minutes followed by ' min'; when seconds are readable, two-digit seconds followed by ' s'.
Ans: 7 h 42 min
